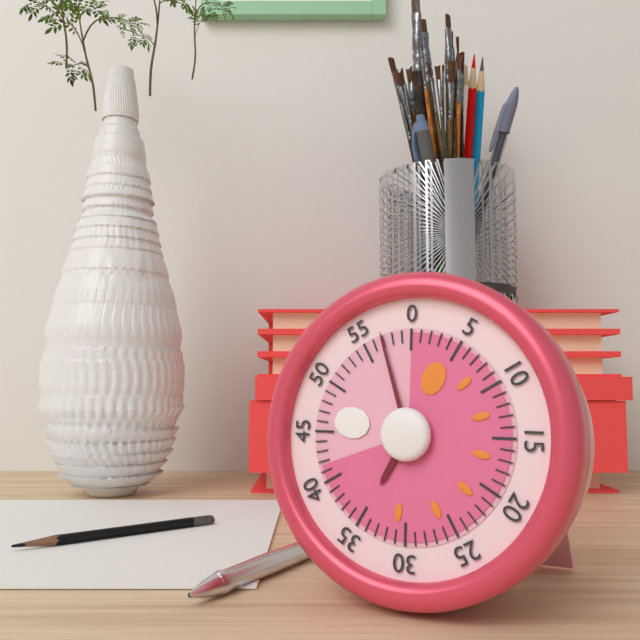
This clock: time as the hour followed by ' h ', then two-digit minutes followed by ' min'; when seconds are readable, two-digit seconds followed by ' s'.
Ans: 6 h 57 min
